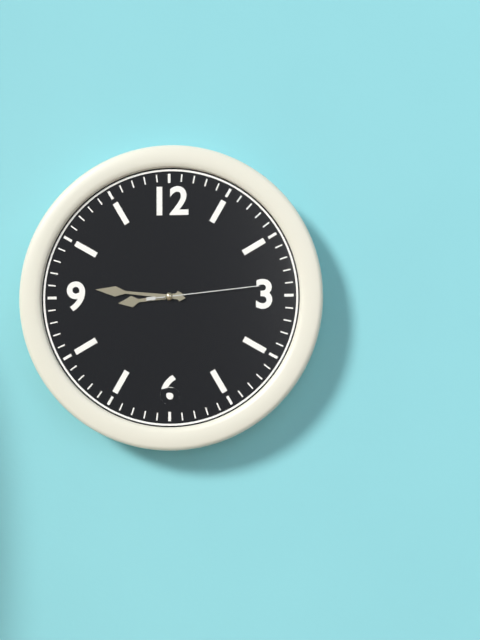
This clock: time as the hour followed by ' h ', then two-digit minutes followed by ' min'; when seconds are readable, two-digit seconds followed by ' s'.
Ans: 8 h 46 min 14 s
